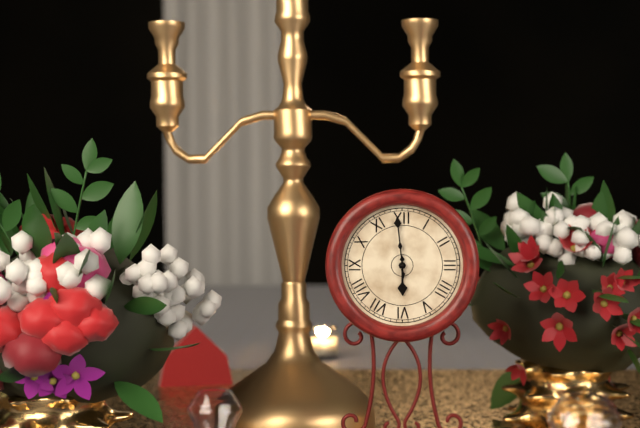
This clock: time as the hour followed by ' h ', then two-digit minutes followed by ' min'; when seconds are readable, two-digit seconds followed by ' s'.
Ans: 5 h 59 min
